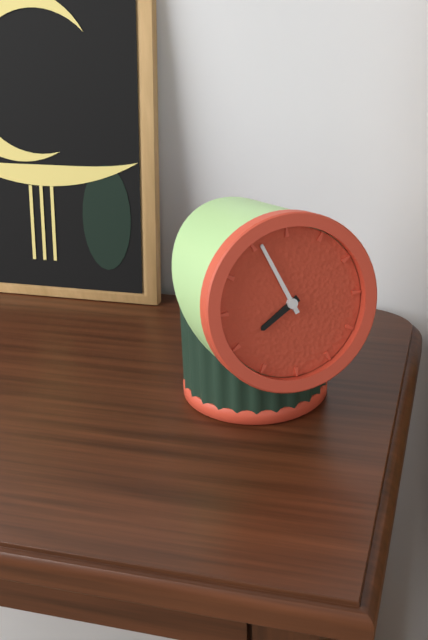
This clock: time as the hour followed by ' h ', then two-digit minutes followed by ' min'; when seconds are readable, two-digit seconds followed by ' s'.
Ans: 7 h 56 min
